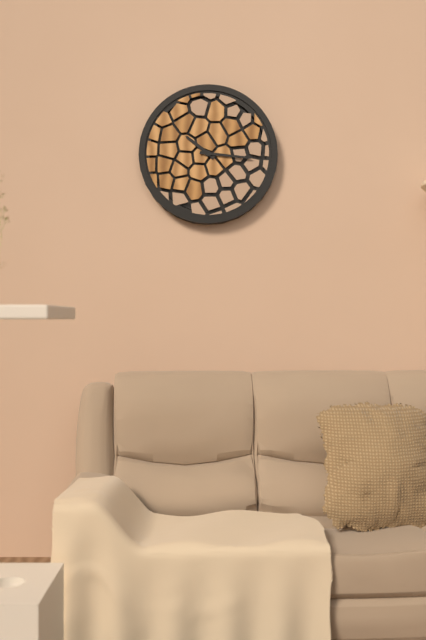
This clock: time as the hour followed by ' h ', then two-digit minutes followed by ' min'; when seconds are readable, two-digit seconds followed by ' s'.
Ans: 10 h 16 min
